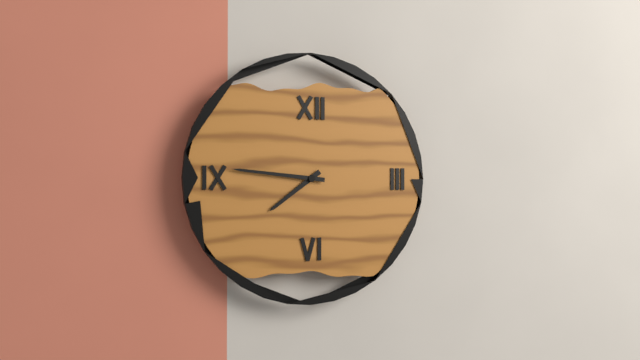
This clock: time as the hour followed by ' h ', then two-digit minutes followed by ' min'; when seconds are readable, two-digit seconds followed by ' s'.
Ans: 7 h 46 min
